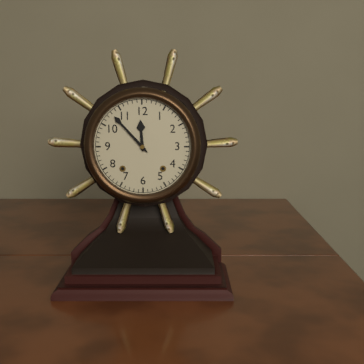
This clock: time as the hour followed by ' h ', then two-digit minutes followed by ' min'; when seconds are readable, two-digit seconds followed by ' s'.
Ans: 11 h 53 min
